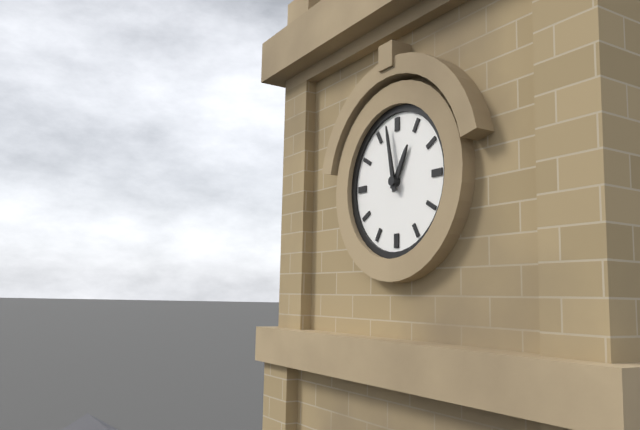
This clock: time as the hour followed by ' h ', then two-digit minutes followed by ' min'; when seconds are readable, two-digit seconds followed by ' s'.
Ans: 12 h 58 min
